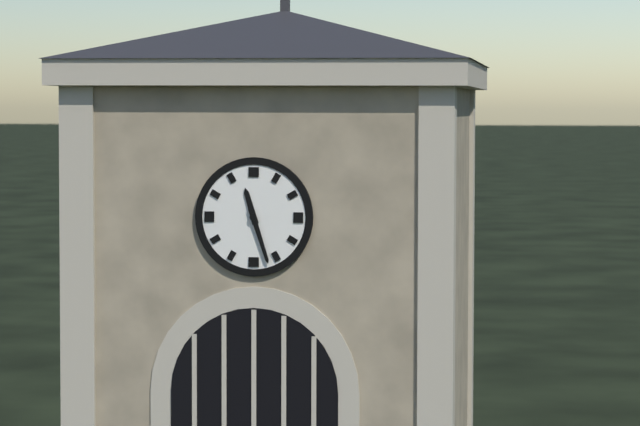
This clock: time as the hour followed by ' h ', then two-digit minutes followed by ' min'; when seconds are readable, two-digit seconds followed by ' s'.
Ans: 11 h 27 min
